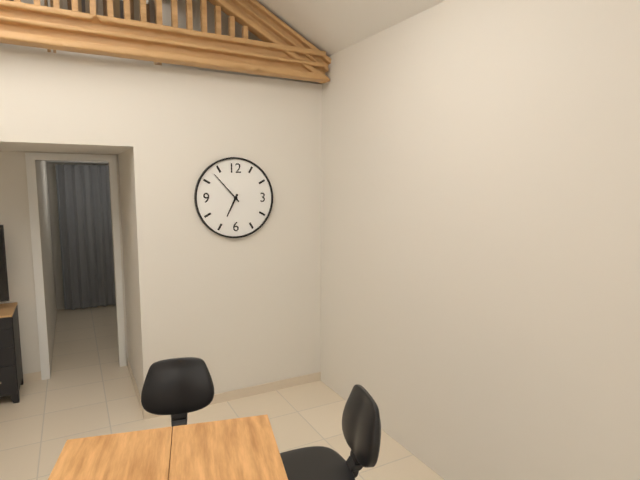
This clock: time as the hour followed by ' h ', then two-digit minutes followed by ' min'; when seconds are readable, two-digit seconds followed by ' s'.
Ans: 6 h 53 min
